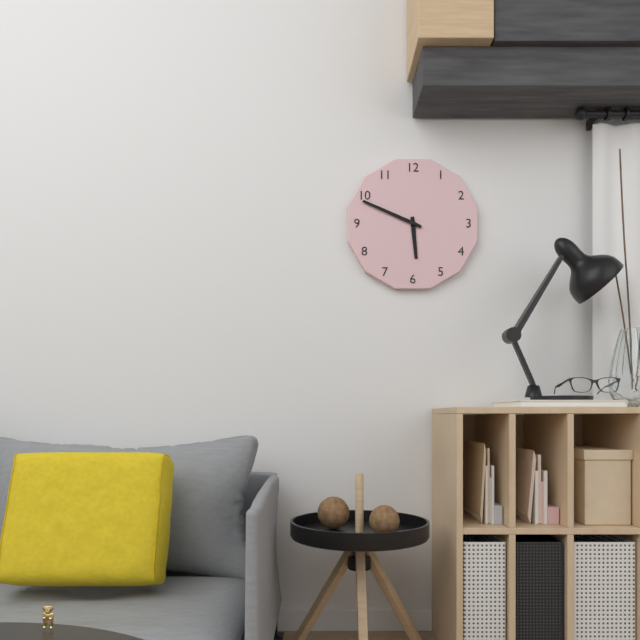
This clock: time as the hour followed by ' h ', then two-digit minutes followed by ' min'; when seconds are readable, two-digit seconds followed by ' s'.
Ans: 5 h 49 min
